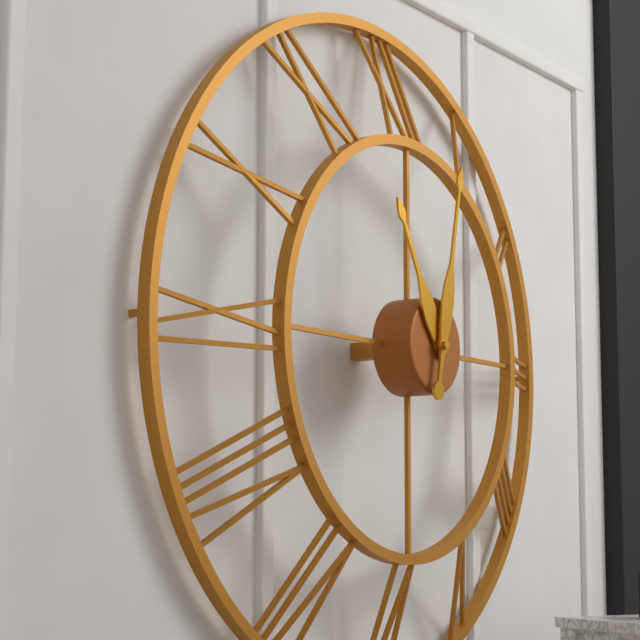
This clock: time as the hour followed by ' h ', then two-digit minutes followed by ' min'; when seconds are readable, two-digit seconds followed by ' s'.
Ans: 11 h 02 min
